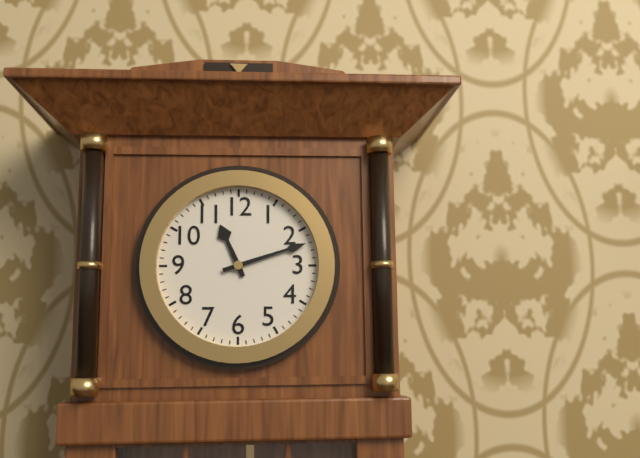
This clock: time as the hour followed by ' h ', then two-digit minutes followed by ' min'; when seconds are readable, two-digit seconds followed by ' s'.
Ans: 11 h 12 min
